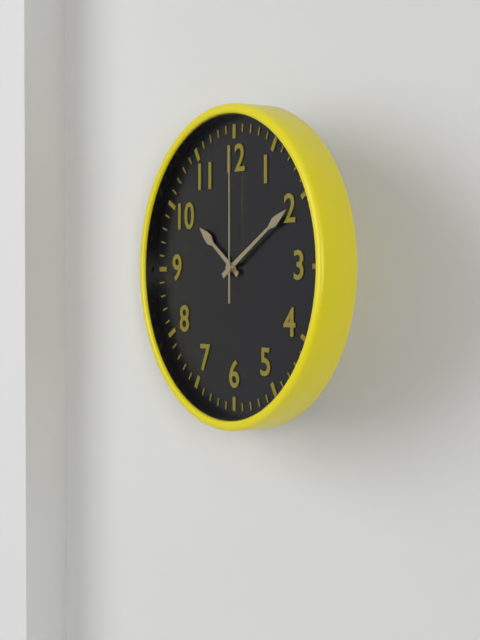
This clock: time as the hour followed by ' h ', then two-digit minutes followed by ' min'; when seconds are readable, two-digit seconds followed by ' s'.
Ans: 10 h 10 min 00 s
